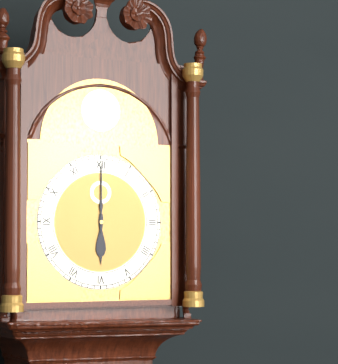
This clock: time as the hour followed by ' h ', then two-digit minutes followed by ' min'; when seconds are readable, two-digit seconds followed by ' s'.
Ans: 6 h 00 min
